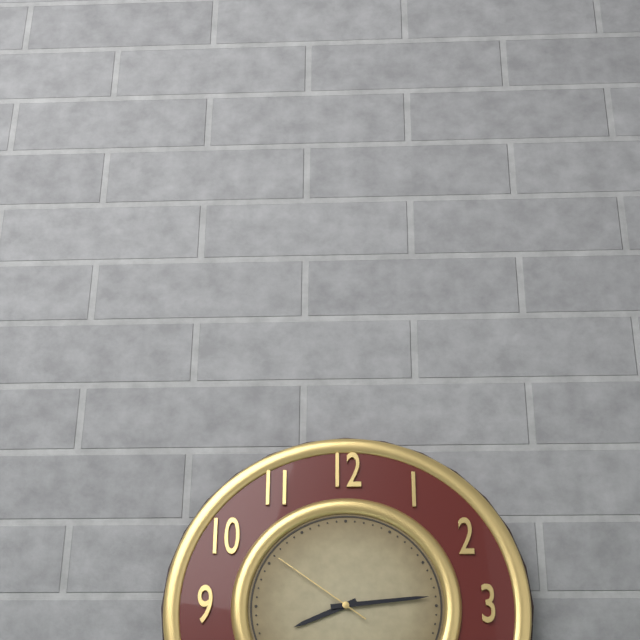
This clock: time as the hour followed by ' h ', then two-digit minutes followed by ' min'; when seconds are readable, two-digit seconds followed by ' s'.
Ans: 8 h 14 min 51 s
